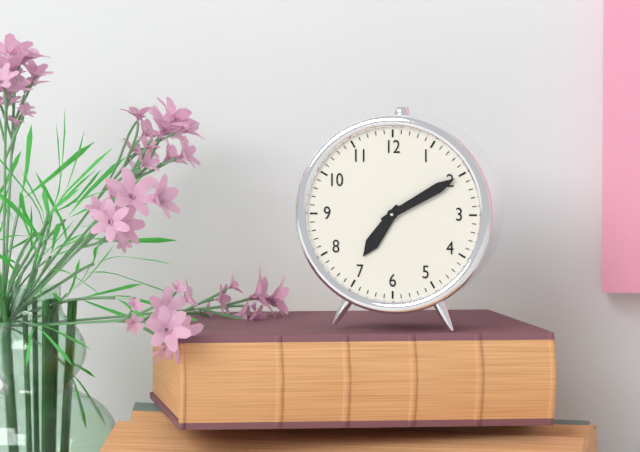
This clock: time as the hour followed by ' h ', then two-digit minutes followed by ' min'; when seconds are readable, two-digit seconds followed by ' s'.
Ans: 7 h 10 min
